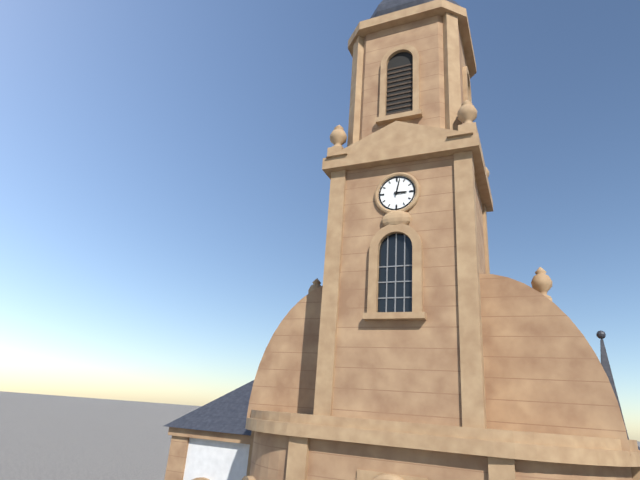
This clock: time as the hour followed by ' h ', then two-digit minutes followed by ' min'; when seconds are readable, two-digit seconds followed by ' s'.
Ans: 3 h 02 min
